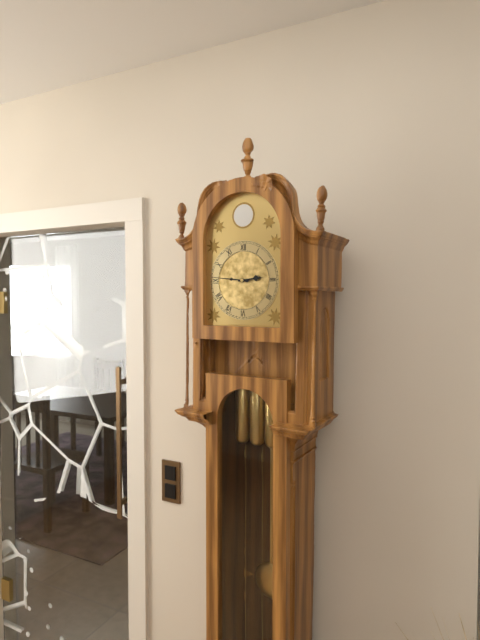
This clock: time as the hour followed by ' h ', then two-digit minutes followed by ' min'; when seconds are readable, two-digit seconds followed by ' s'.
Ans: 2 h 46 min
